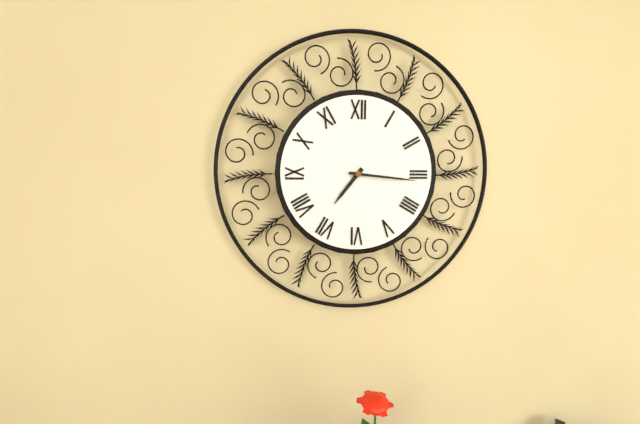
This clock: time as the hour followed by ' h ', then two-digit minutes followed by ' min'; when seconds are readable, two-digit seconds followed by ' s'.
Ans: 7 h 16 min
